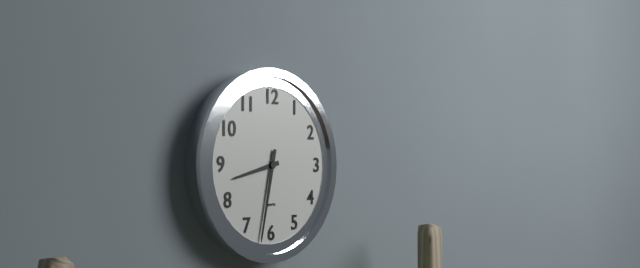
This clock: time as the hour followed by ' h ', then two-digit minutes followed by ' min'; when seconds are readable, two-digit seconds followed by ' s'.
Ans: 8 h 32 min
